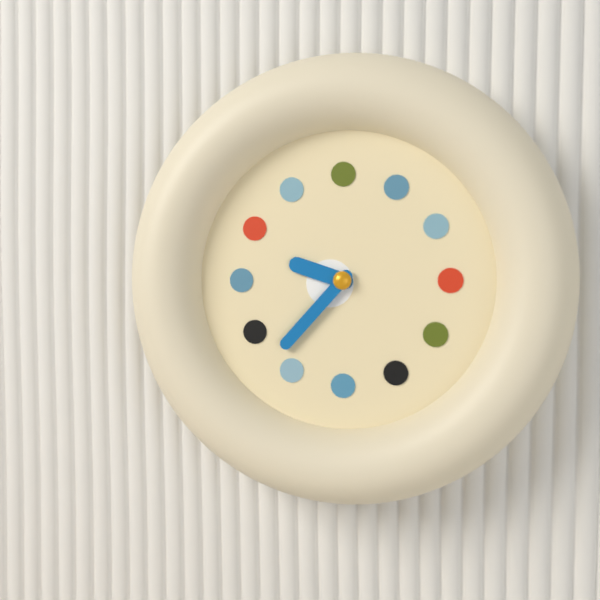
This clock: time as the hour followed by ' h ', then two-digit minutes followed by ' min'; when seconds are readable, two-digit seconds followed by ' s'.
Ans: 9 h 37 min
